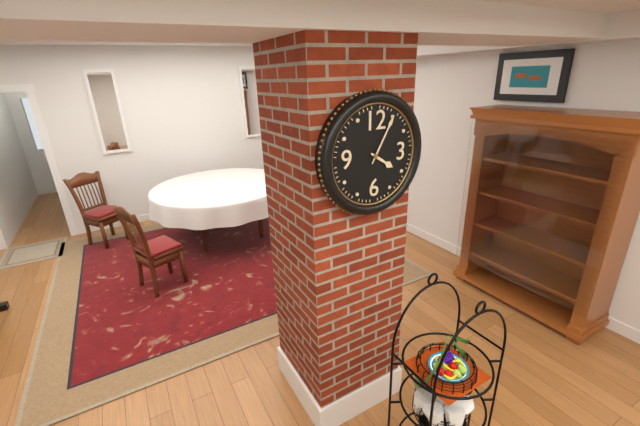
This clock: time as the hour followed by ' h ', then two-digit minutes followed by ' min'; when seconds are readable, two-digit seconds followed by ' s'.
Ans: 4 h 05 min
